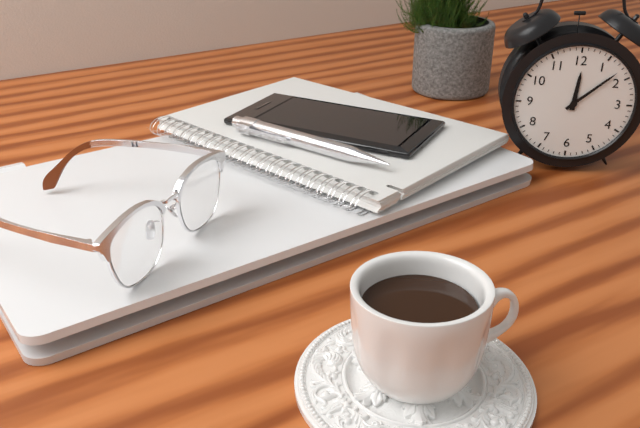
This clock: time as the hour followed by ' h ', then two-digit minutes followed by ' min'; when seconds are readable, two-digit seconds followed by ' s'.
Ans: 12 h 08 min
